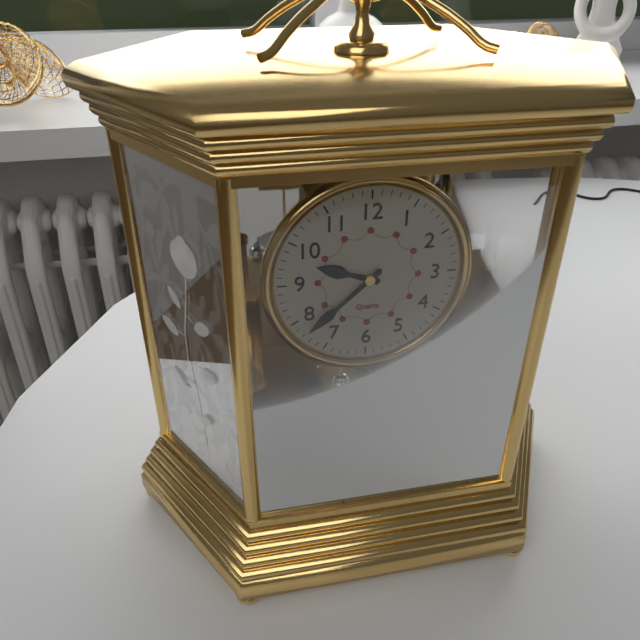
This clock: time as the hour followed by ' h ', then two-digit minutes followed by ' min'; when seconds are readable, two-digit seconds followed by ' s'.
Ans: 9 h 38 min
